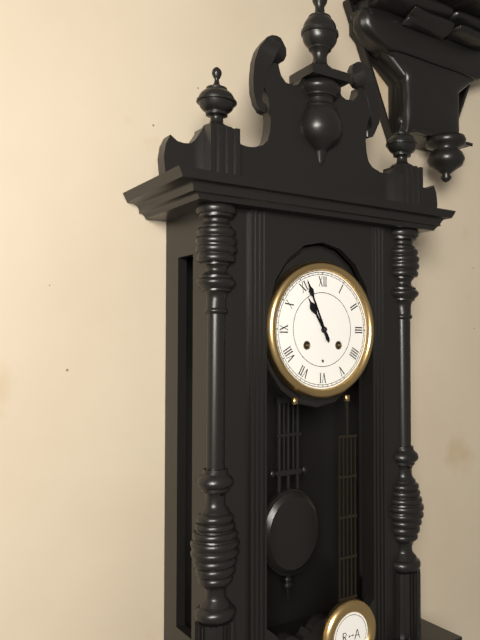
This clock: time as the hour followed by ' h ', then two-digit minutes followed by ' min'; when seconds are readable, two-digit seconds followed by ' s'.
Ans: 10 h 56 min
